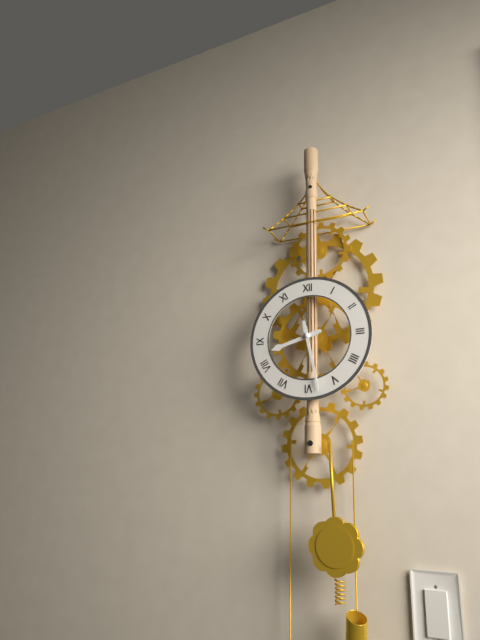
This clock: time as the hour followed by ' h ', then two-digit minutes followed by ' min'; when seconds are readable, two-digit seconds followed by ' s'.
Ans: 8 h 28 min
